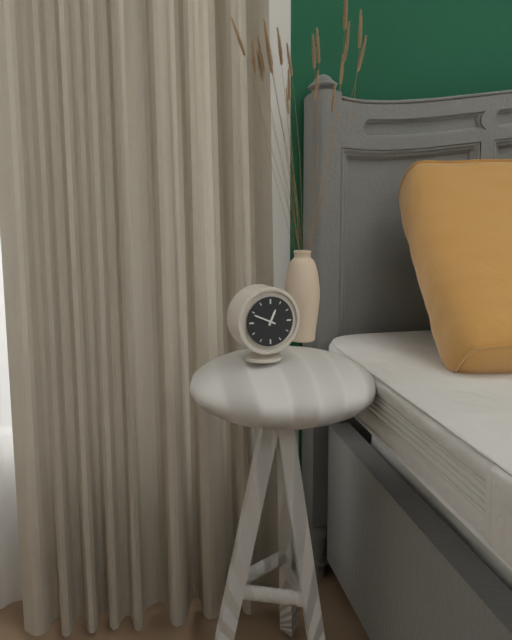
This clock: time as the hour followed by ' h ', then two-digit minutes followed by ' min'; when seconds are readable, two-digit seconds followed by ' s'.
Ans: 12 h 49 min
